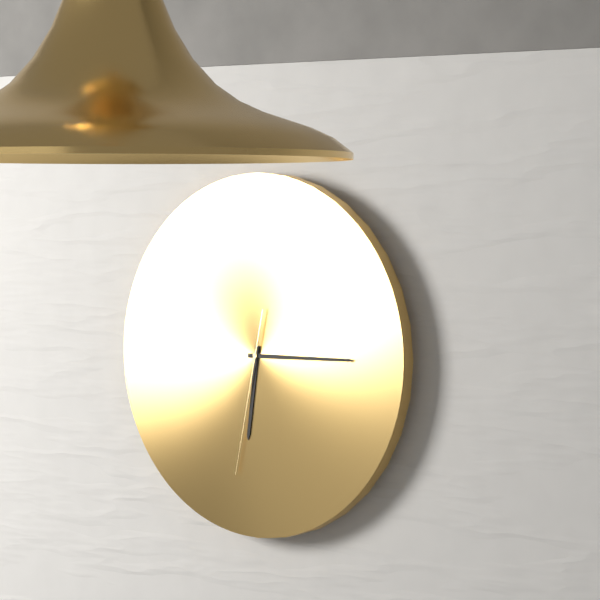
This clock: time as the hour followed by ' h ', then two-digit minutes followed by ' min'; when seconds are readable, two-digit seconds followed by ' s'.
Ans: 6 h 15 min 32 s
